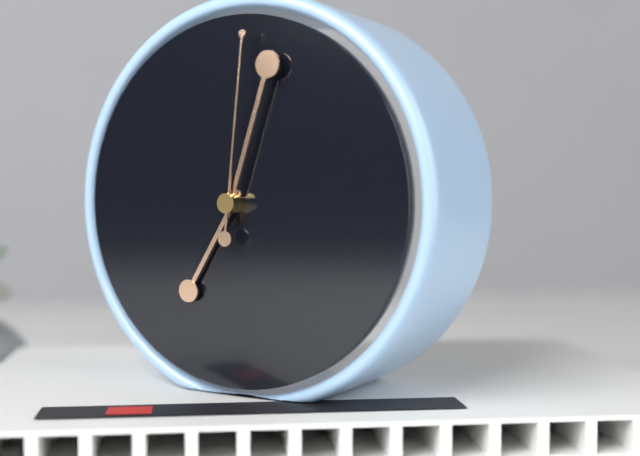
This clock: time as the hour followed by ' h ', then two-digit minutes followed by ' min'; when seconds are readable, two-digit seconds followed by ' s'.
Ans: 7 h 03 min 01 s
